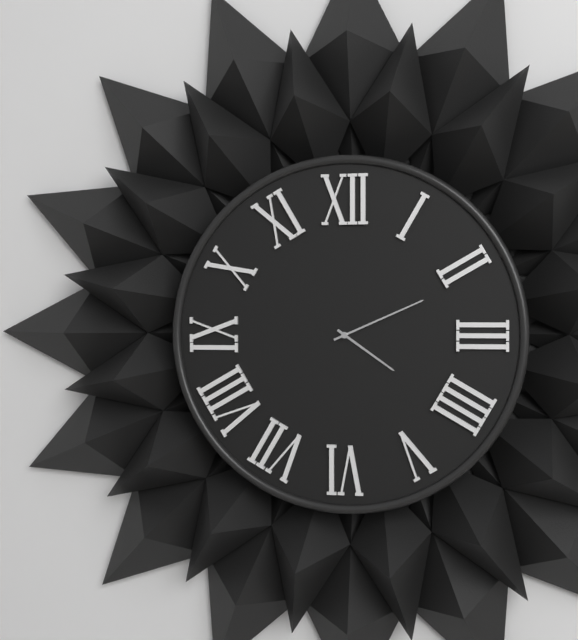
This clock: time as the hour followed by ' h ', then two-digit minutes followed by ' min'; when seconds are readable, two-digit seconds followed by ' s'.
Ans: 4 h 11 min
